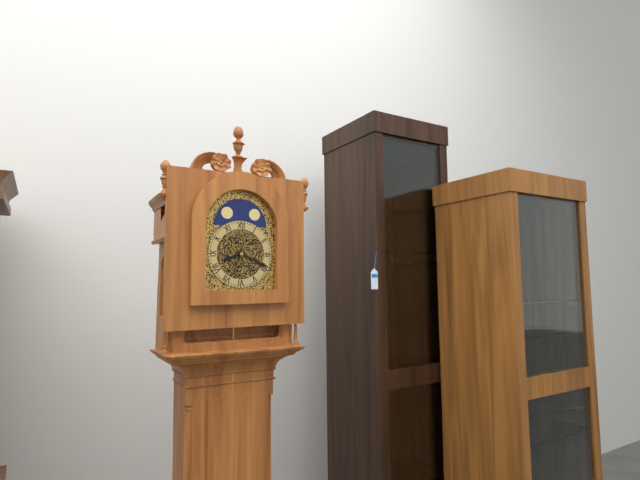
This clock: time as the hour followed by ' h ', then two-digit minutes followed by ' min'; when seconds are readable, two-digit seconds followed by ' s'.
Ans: 8 h 19 min
